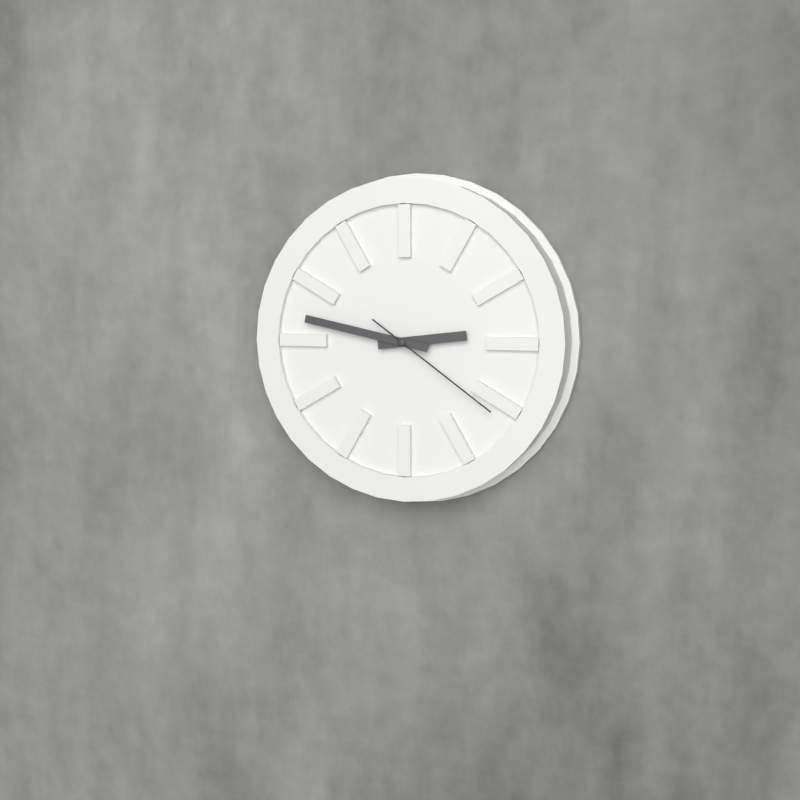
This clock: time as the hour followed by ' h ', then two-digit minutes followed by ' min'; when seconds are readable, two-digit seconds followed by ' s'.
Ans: 2 h 47 min 21 s
